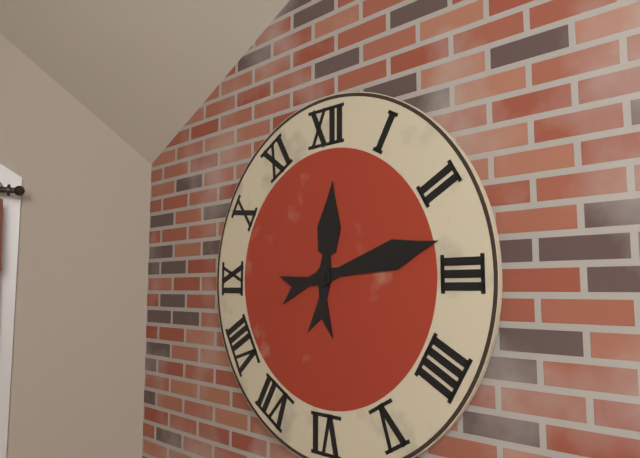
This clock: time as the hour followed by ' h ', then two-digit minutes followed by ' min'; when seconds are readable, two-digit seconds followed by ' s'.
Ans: 12 h 13 min
